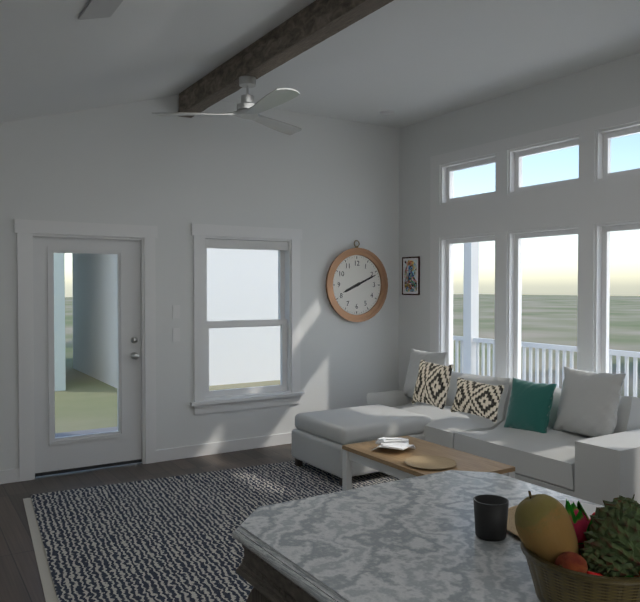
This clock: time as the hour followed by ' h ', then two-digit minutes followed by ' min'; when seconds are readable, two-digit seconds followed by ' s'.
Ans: 8 h 11 min
